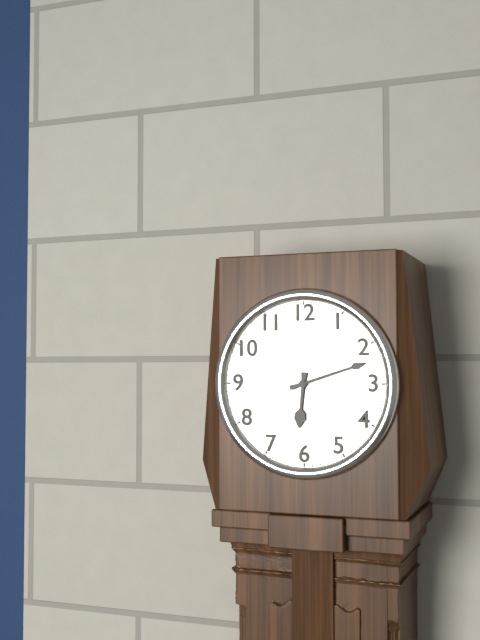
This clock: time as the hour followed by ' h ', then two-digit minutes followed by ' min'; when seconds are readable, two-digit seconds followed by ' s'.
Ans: 6 h 12 min
